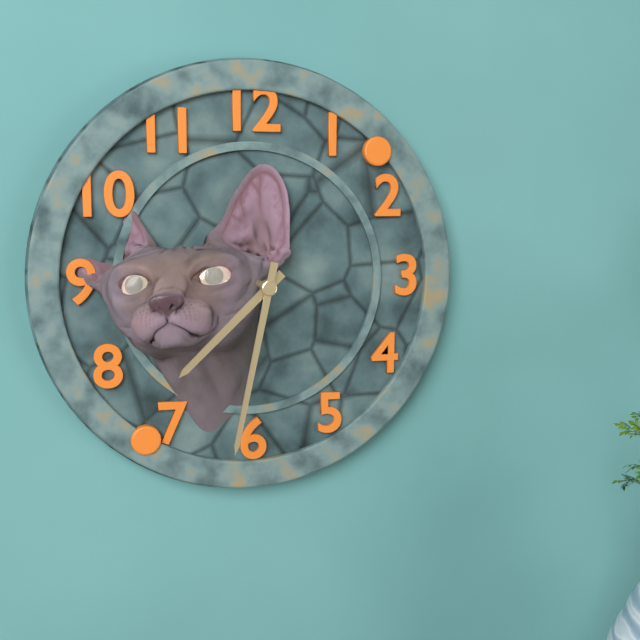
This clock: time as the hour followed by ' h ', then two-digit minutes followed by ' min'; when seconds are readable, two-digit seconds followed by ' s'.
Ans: 7 h 32 min
